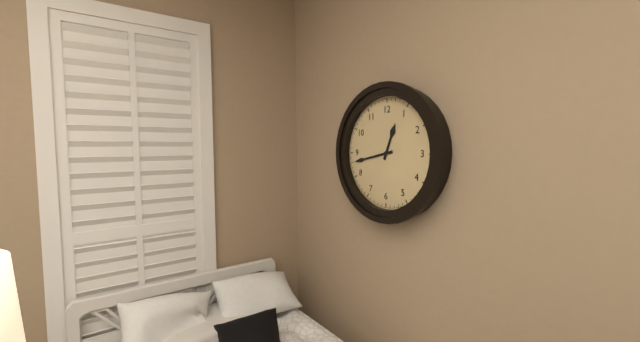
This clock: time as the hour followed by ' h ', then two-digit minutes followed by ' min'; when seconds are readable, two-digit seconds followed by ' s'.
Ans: 12 h 43 min
